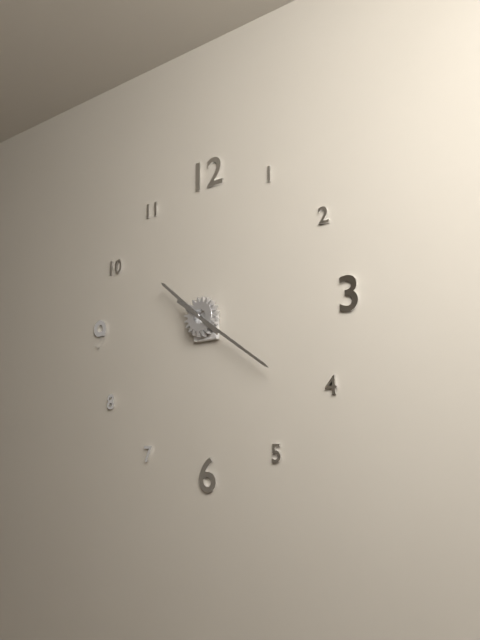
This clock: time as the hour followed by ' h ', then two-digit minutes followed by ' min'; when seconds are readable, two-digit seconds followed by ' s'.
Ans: 10 h 21 min
